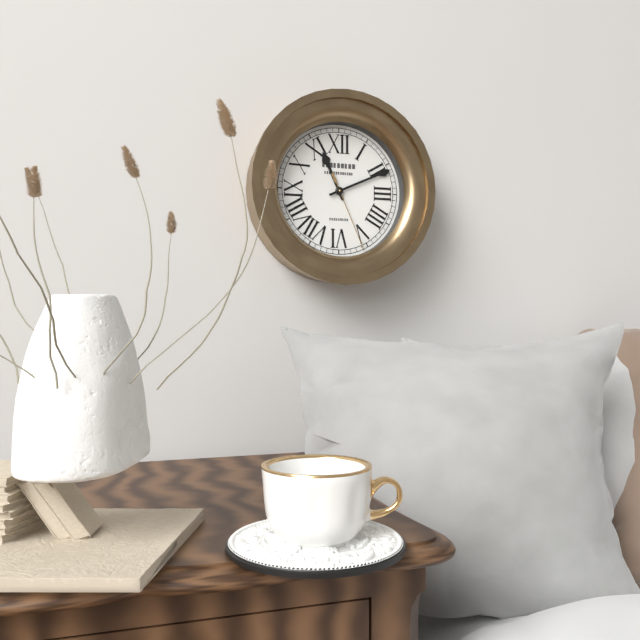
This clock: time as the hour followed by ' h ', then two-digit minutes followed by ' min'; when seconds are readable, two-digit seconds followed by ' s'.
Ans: 11 h 11 min 26 s
